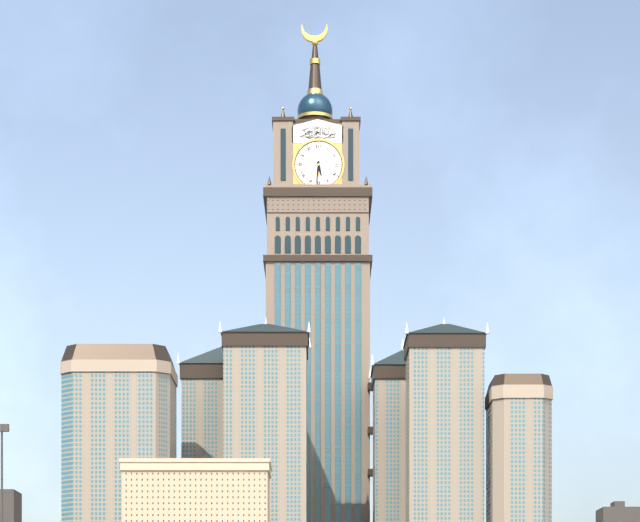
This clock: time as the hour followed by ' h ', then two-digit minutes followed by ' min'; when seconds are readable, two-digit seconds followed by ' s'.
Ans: 5 h 31 min
